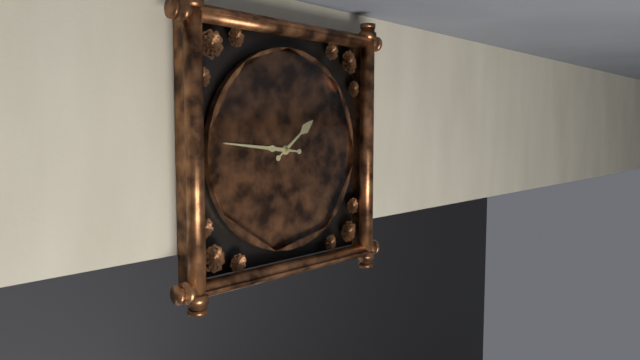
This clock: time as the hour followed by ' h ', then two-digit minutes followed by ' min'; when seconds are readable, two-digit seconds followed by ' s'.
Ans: 1 h 46 min
